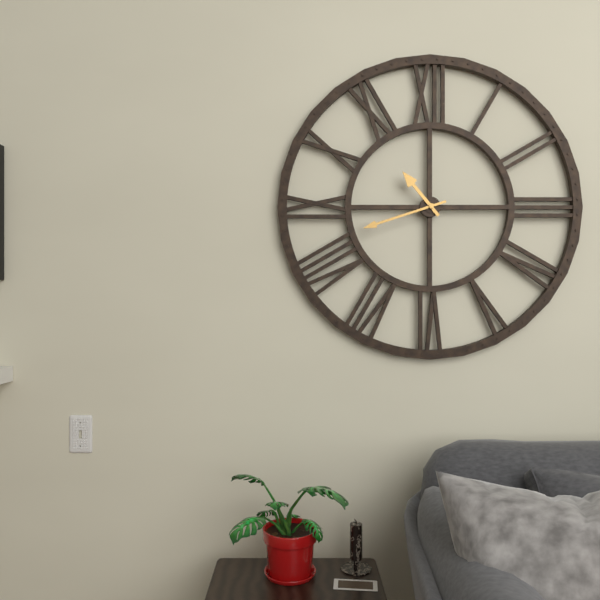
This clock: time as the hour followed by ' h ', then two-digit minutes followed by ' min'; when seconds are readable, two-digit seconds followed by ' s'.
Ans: 10 h 42 min
